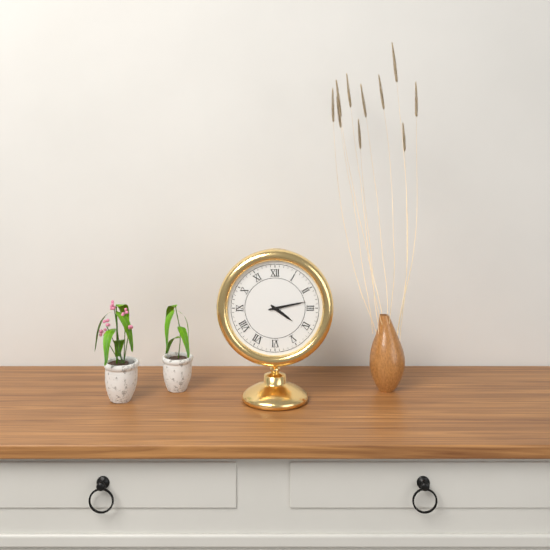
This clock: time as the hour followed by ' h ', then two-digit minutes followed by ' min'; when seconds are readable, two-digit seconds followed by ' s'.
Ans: 4 h 13 min
